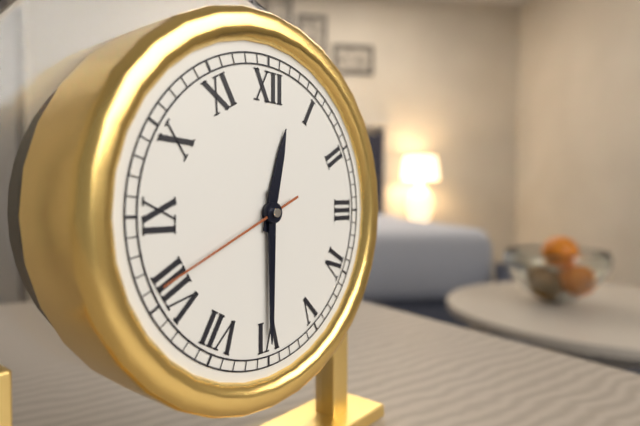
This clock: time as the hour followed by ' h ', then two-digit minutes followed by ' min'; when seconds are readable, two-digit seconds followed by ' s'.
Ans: 12 h 30 min 41 s
